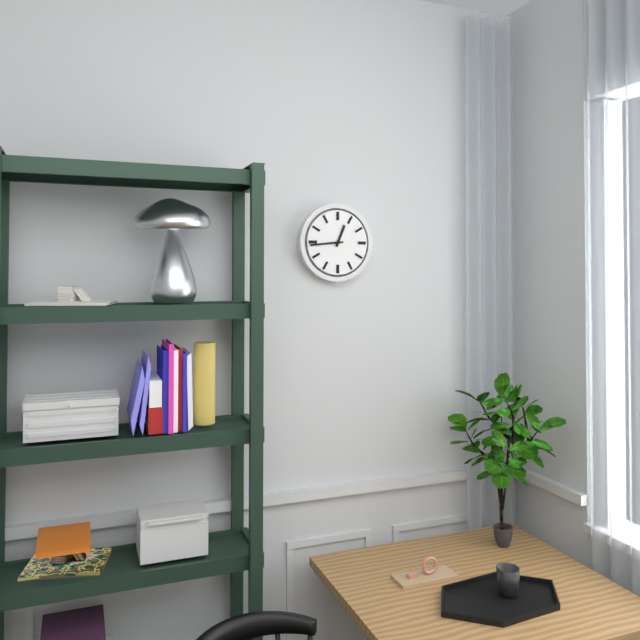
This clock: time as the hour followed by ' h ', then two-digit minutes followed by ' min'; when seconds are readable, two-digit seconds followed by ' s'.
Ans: 12 h 44 min
